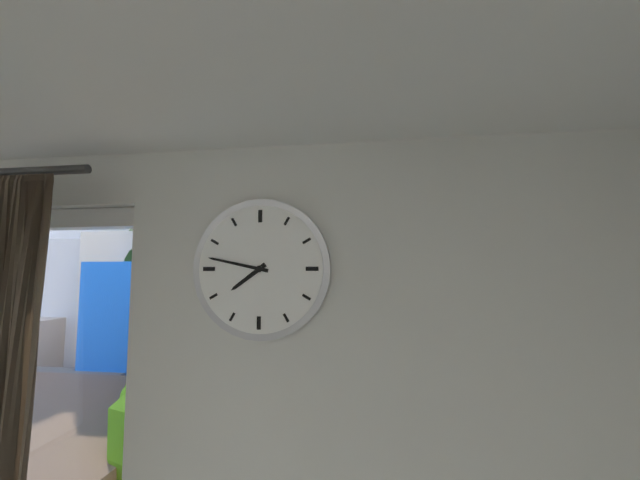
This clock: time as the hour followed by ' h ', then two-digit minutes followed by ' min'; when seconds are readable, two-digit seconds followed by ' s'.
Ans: 7 h 47 min
